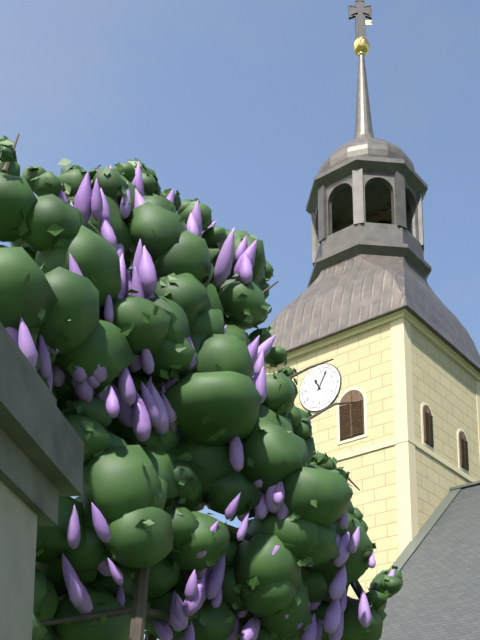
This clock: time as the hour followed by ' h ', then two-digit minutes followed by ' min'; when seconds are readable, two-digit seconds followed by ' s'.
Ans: 11 h 05 min
